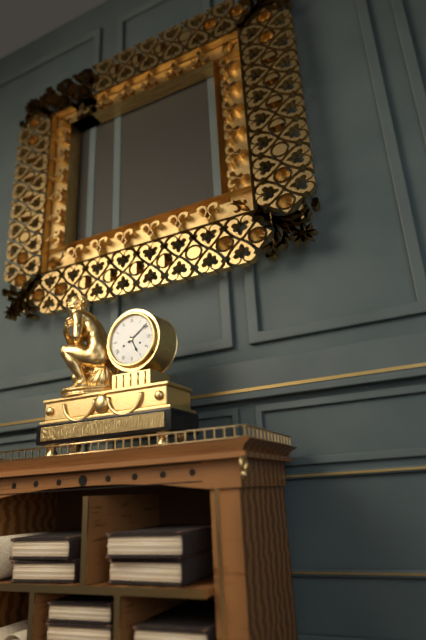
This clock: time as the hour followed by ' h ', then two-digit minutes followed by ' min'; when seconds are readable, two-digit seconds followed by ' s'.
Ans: 5 h 09 min
